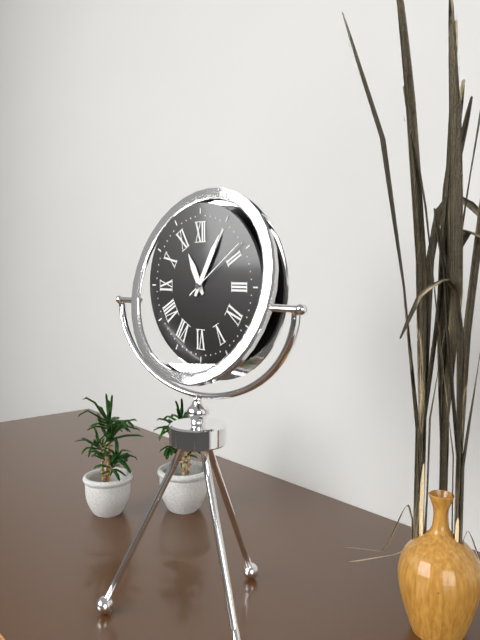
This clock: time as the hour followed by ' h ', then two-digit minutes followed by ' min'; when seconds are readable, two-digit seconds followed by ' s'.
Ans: 11 h 05 min 09 s
